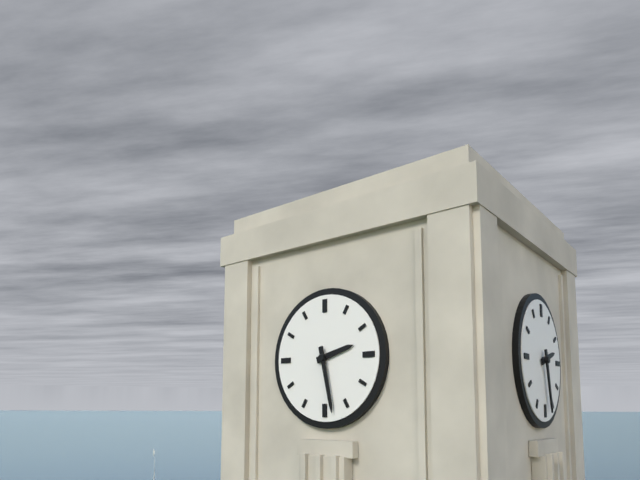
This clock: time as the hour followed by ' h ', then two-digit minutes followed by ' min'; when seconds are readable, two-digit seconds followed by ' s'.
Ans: 2 h 28 min
